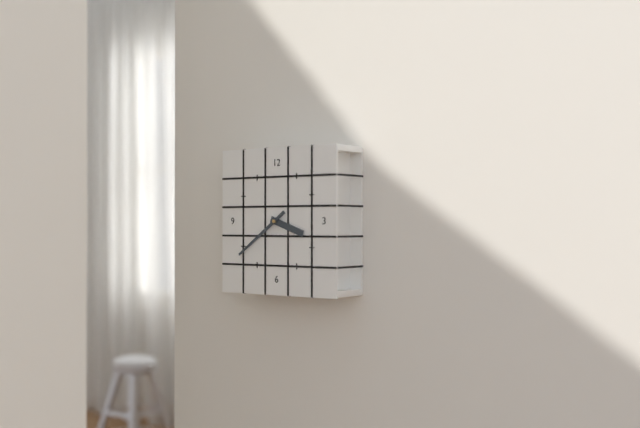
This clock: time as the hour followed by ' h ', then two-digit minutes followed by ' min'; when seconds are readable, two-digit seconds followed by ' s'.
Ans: 3 h 39 min
